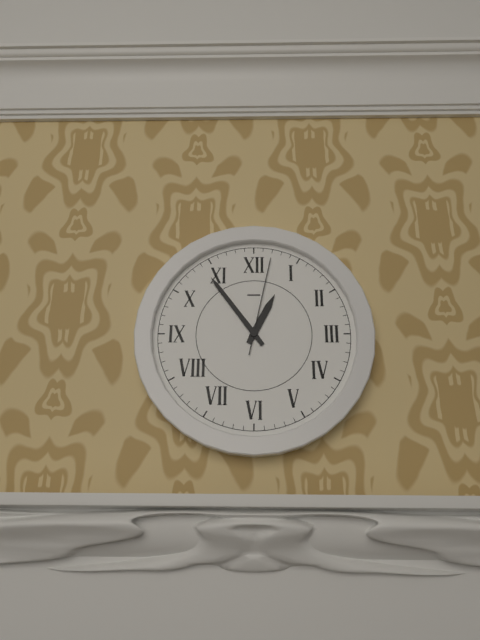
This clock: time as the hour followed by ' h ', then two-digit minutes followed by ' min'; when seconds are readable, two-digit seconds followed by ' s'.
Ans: 12 h 54 min 02 s
